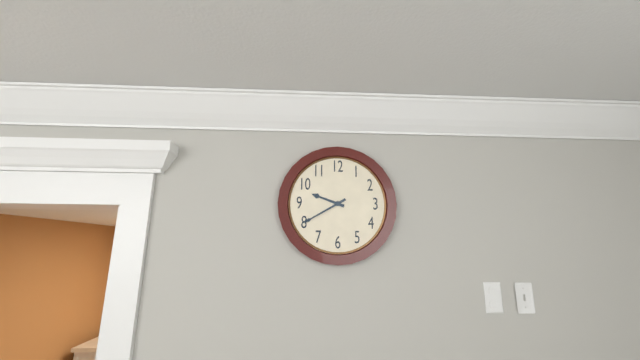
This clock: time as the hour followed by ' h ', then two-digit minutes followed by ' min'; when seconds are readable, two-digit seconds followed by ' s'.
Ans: 9 h 40 min
